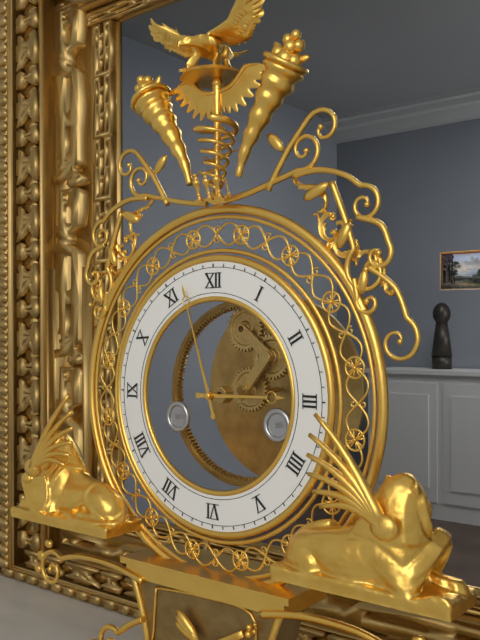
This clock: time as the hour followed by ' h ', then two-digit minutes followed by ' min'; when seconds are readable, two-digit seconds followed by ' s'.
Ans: 2 h 57 min
